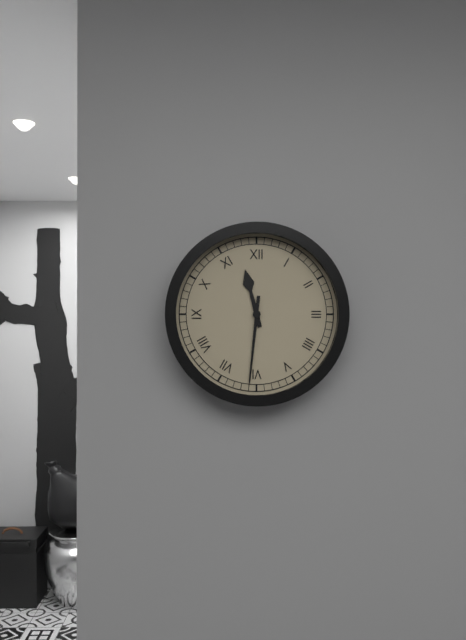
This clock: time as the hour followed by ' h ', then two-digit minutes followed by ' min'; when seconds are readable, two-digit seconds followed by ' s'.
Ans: 11 h 31 min
